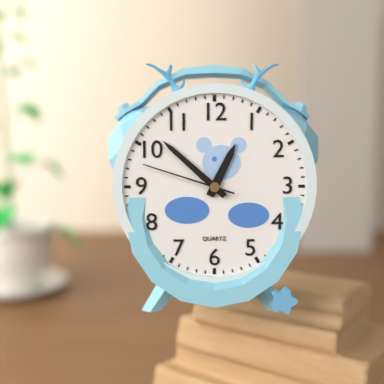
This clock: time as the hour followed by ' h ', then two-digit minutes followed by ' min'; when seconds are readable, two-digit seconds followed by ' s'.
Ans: 12 h 52 min 48 s
